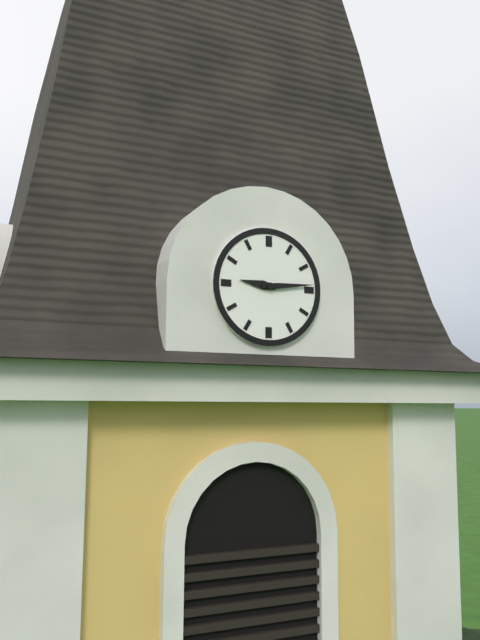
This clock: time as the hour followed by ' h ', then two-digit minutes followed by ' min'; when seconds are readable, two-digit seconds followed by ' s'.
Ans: 9 h 14 min
